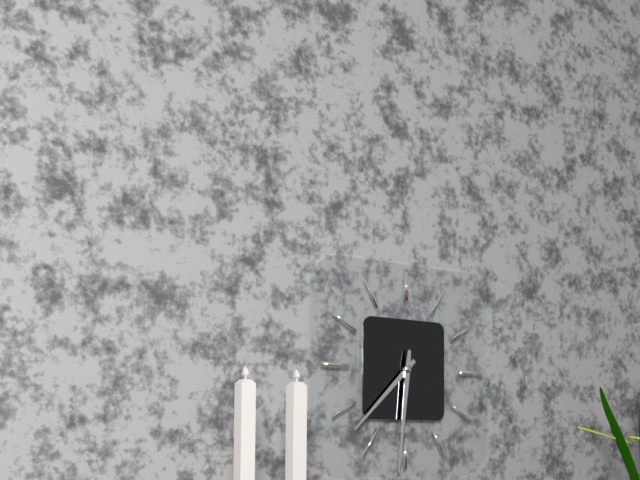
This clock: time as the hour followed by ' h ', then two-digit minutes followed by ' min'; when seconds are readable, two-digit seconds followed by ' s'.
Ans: 7 h 31 min
